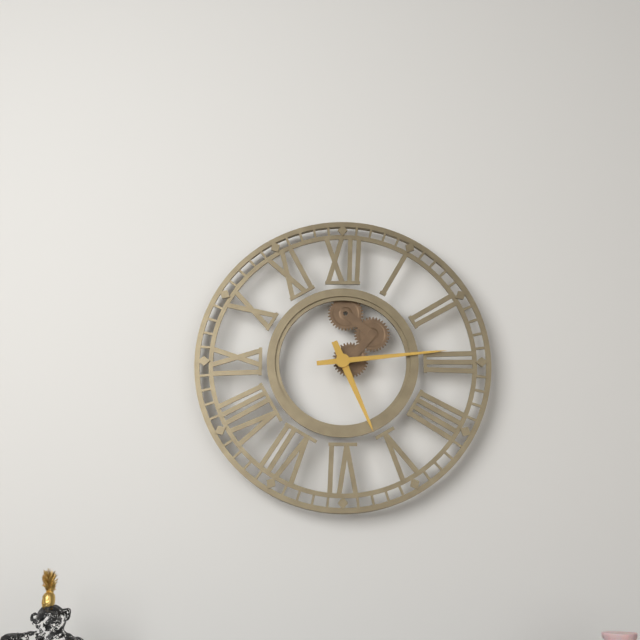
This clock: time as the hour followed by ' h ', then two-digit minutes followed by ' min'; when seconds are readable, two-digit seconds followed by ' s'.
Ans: 5 h 14 min
